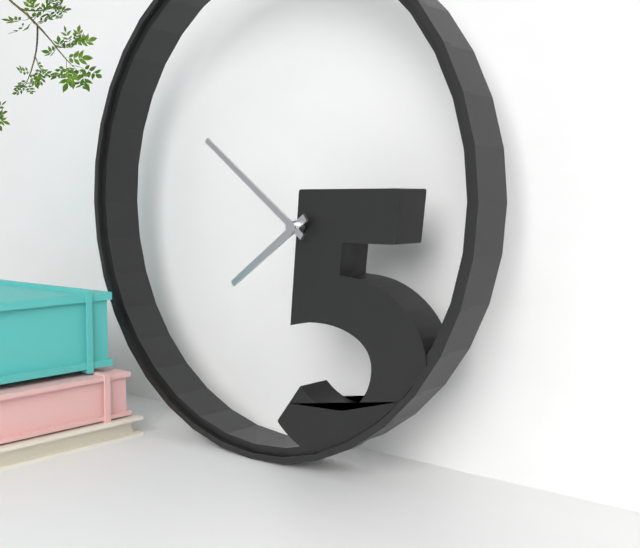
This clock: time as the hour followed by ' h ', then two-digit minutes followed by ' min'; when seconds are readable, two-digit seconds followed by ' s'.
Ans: 7 h 51 min
